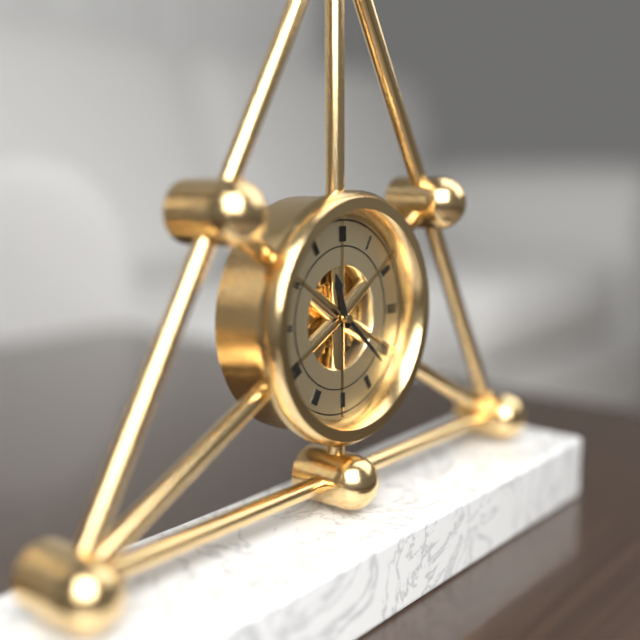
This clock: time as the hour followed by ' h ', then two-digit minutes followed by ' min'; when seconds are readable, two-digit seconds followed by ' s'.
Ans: 11 h 22 min
